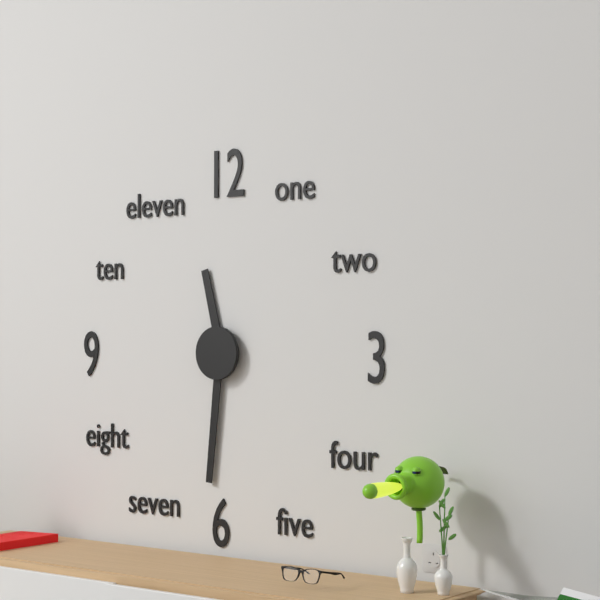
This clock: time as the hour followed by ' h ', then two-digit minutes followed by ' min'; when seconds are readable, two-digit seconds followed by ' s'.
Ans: 11 h 31 min
